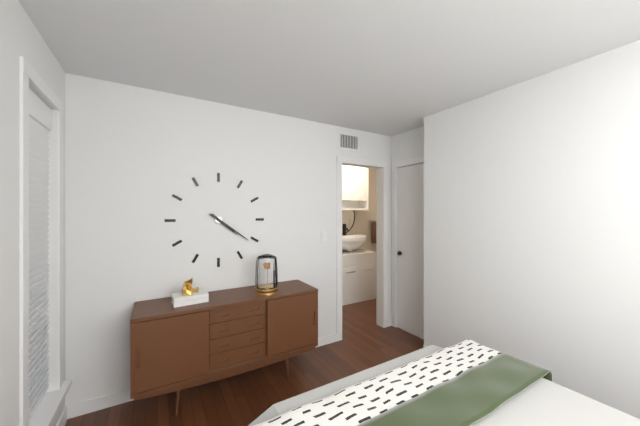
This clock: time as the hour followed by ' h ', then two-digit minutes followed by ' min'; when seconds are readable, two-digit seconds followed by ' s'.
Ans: 4 h 21 min
